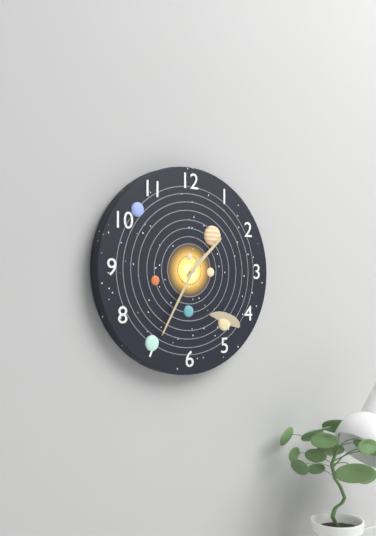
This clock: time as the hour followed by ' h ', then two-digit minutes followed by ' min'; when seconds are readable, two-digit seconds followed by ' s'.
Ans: 1 h 35 min
